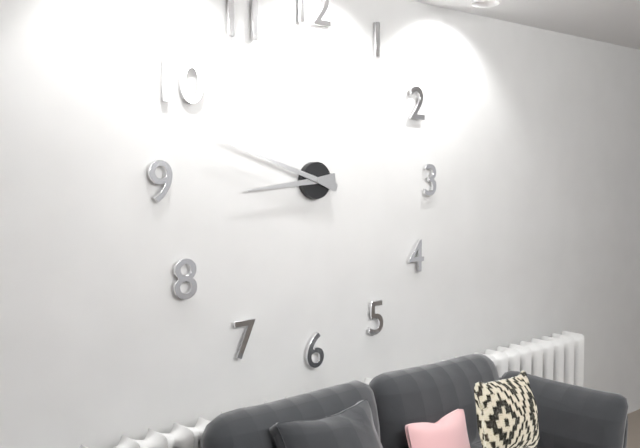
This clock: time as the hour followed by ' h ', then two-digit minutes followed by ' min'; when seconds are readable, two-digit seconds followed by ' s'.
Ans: 8 h 48 min
